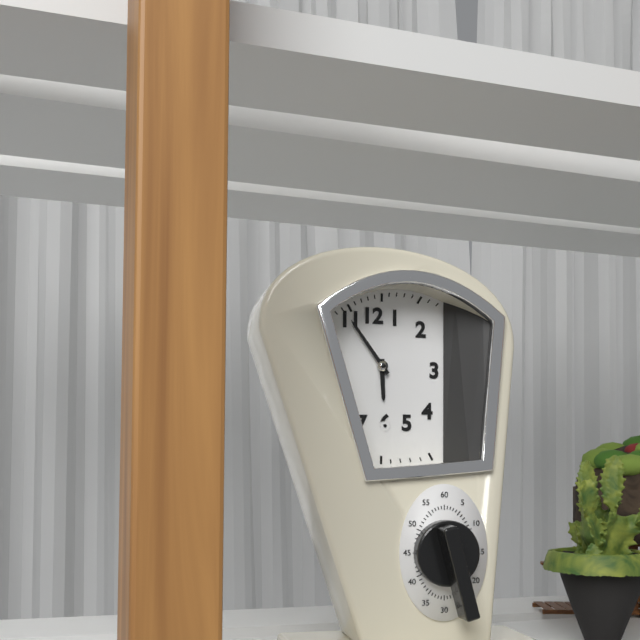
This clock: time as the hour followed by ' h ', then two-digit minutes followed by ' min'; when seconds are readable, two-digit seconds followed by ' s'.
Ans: 5 h 54 min
